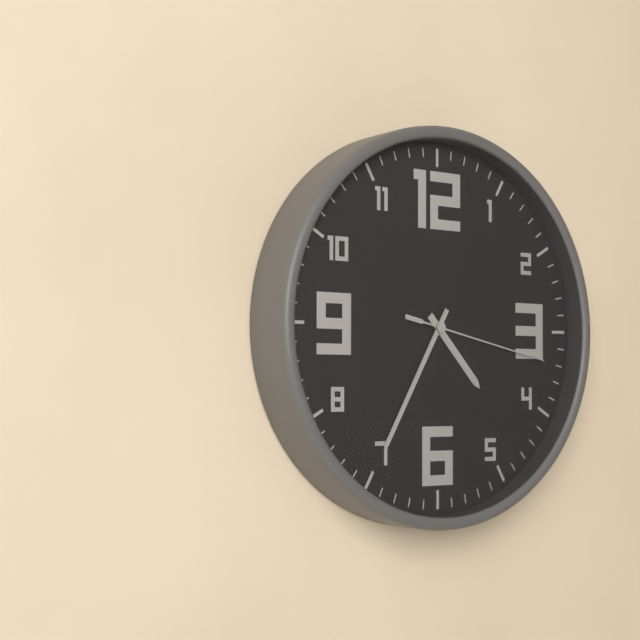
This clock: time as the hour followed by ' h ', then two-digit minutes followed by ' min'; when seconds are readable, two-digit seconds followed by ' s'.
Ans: 4 h 35 min 17 s
